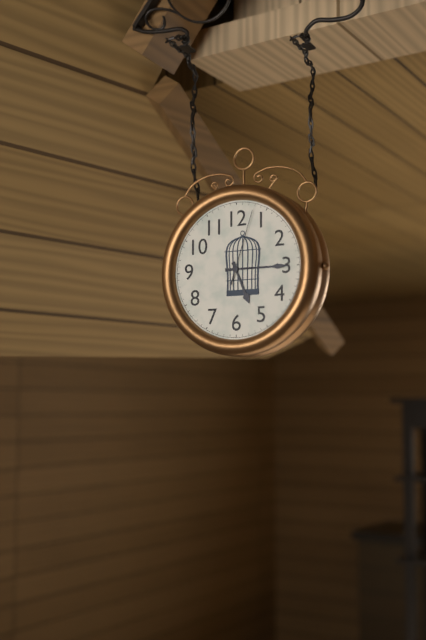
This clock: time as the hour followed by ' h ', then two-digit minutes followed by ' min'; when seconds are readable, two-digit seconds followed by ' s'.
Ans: 5 h 15 min 03 s
